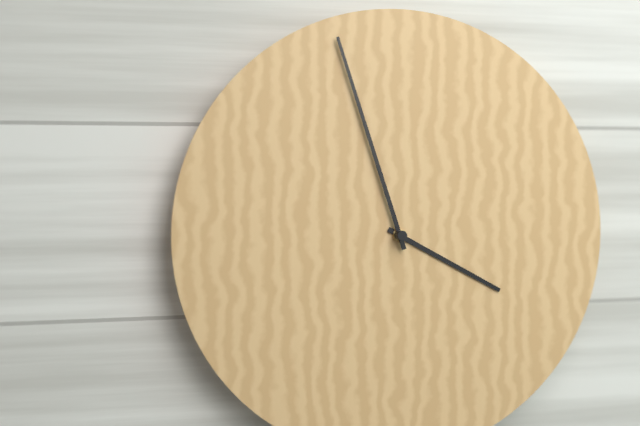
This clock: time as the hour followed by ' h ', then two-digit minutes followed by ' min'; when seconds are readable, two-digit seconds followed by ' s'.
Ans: 3 h 57 min
